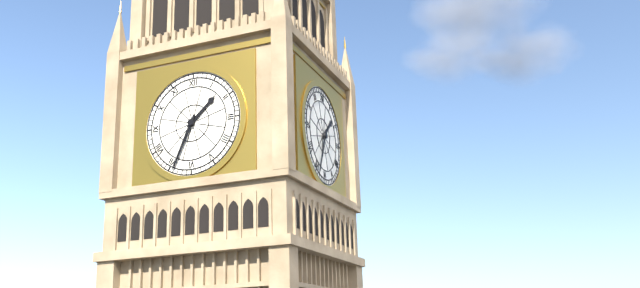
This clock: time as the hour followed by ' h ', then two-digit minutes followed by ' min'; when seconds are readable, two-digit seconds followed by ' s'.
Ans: 1 h 34 min
